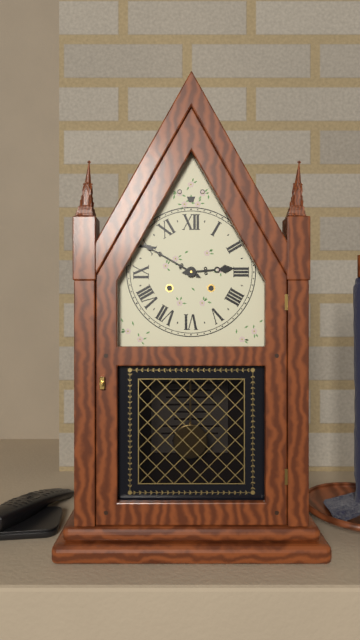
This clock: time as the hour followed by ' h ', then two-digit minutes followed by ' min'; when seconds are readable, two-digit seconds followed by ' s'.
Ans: 2 h 50 min
